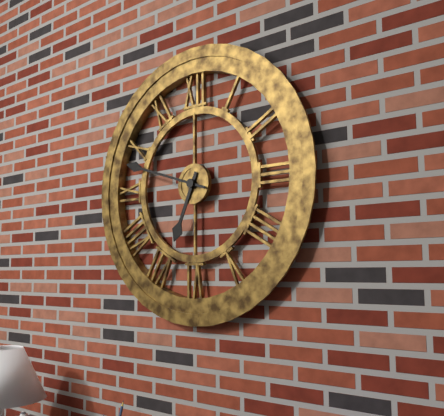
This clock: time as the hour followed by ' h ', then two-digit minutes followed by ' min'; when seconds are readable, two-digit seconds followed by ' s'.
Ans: 6 h 48 min
